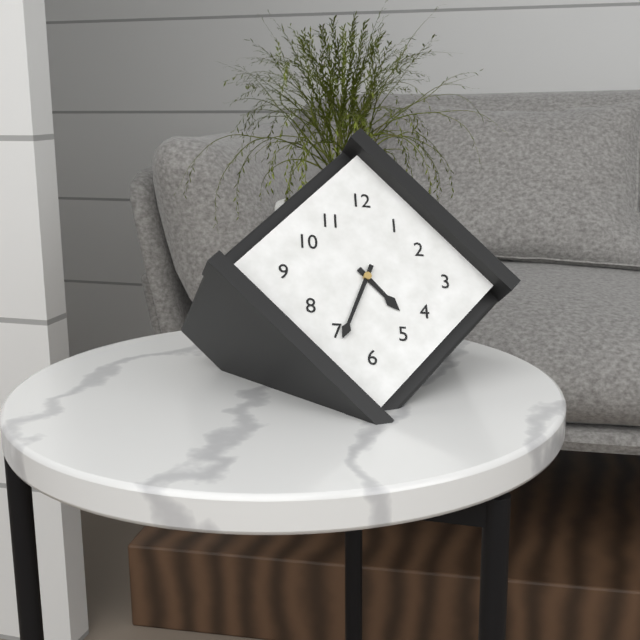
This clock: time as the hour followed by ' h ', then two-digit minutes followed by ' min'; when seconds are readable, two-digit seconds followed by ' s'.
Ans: 4 h 34 min
